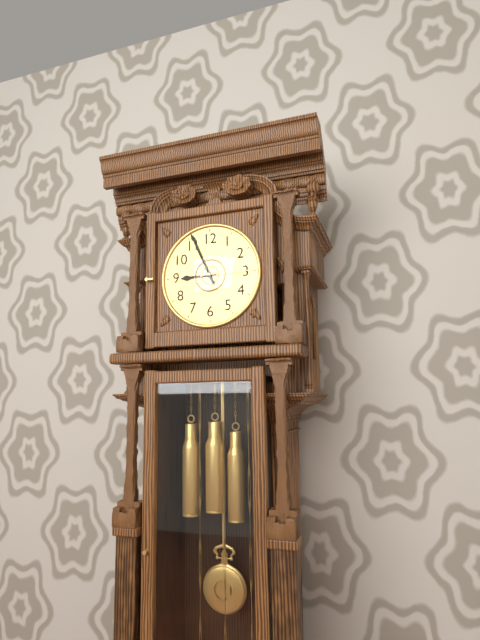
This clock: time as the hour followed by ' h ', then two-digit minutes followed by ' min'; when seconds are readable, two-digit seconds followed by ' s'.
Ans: 8 h 56 min 15 s
